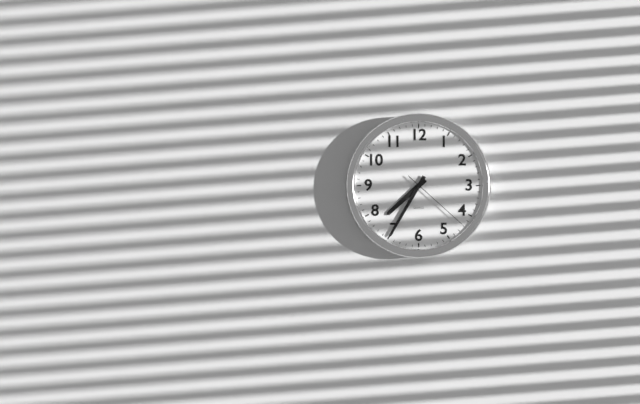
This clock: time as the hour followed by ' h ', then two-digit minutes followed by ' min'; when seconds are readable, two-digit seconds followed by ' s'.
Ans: 7 h 35 min 22 s
